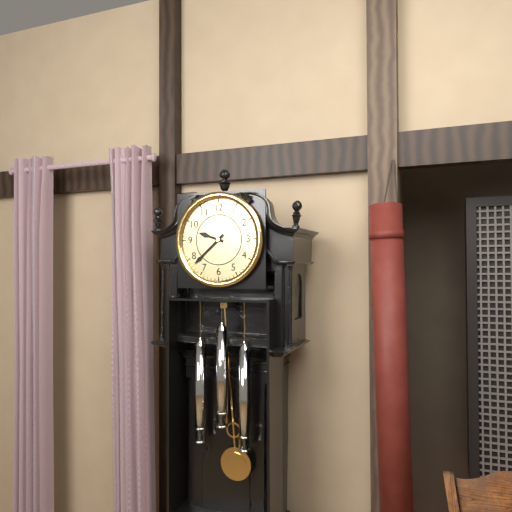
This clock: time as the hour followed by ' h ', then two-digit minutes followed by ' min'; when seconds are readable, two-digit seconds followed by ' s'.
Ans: 9 h 38 min
